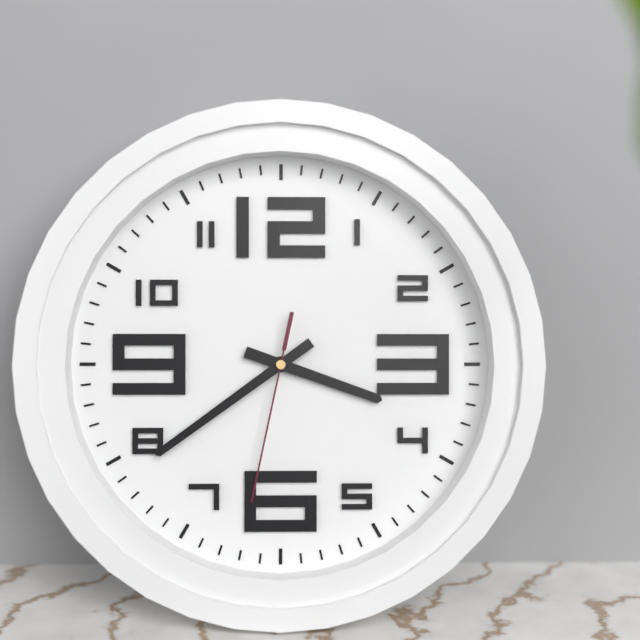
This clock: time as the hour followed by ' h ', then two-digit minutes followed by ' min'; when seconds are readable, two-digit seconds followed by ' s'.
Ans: 3 h 39 min 32 s
